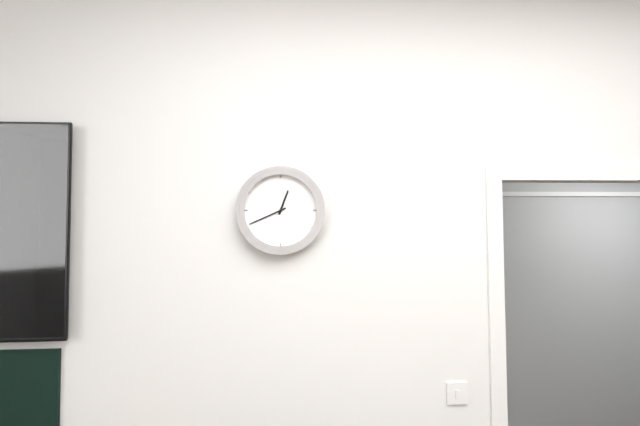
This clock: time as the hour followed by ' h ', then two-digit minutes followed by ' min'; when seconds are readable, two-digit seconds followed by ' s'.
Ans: 12 h 41 min
